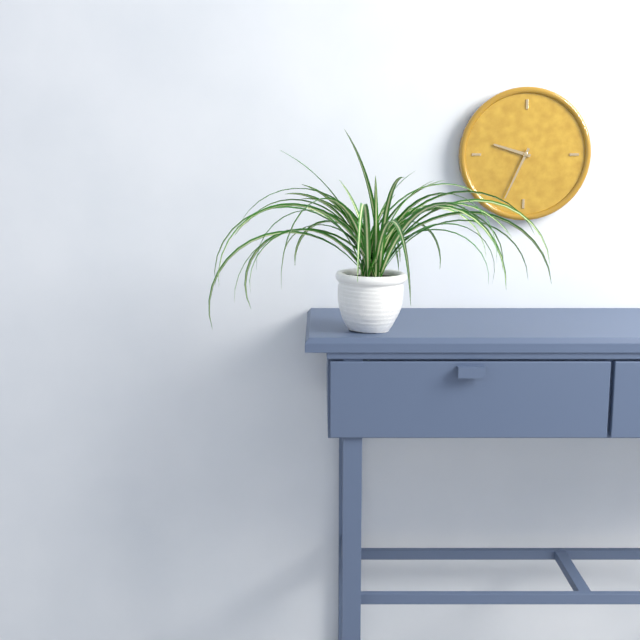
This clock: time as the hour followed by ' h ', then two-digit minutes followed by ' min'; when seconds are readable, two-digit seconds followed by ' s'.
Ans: 9 h 34 min
